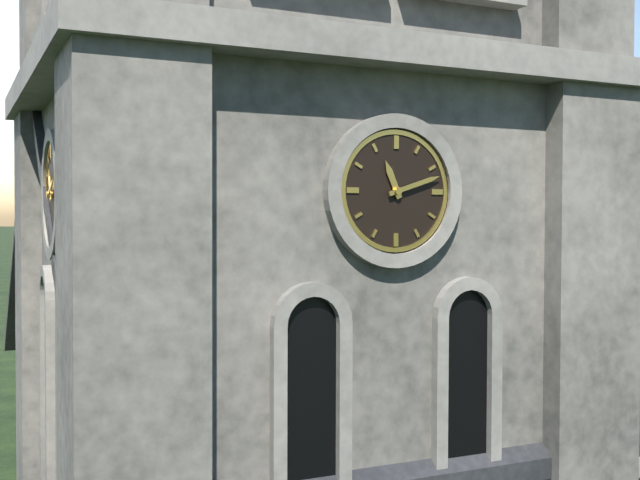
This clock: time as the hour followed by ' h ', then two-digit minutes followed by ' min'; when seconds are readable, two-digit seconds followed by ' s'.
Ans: 11 h 12 min
